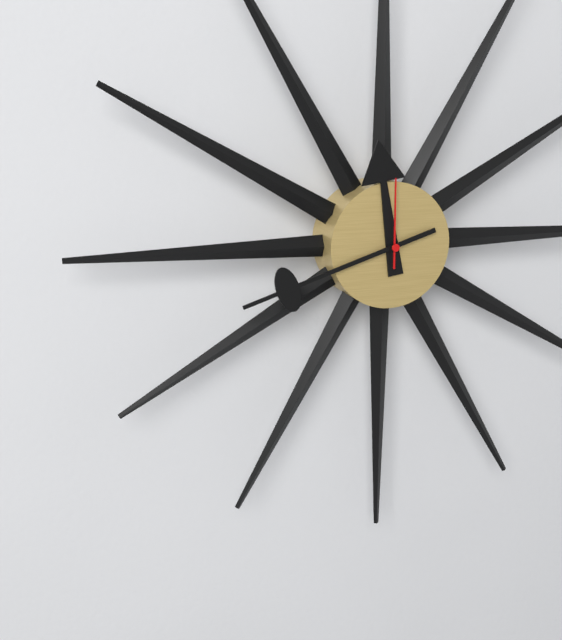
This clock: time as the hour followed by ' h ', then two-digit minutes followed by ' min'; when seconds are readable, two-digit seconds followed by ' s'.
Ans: 11 h 42 min 00 s
